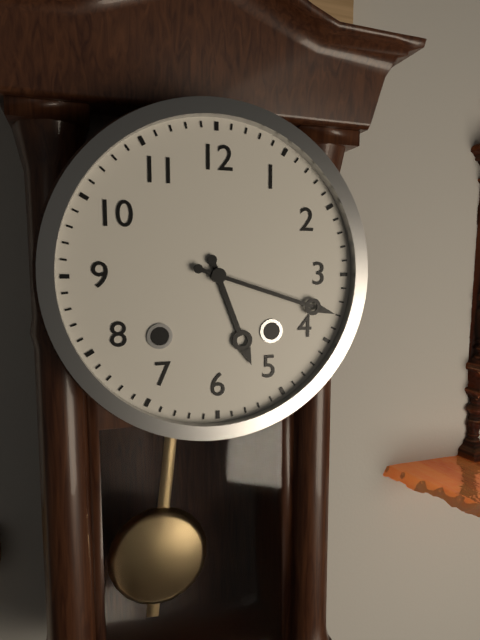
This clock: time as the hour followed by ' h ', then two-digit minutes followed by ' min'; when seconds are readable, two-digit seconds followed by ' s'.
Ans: 5 h 18 min
